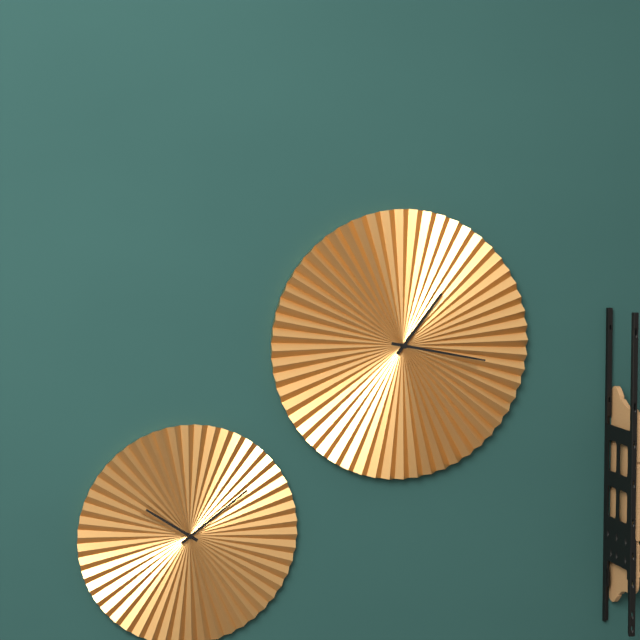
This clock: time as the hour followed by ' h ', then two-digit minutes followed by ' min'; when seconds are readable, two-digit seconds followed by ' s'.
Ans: 1 h 17 min
